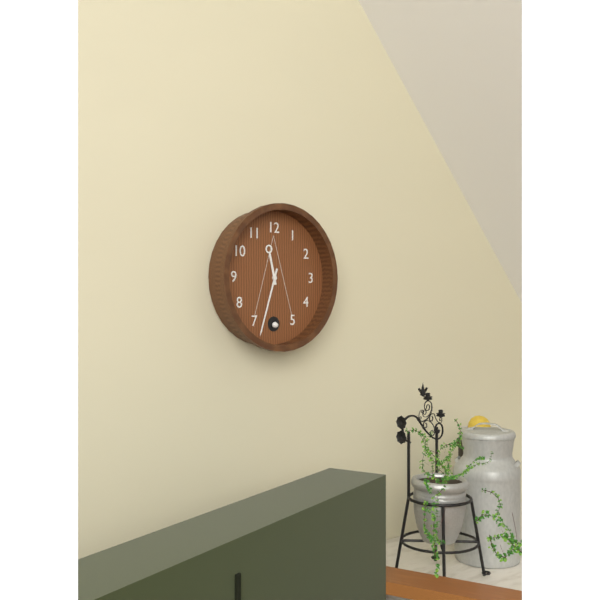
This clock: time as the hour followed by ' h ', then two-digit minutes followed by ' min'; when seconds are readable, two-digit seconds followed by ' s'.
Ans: 11 h 33 min
